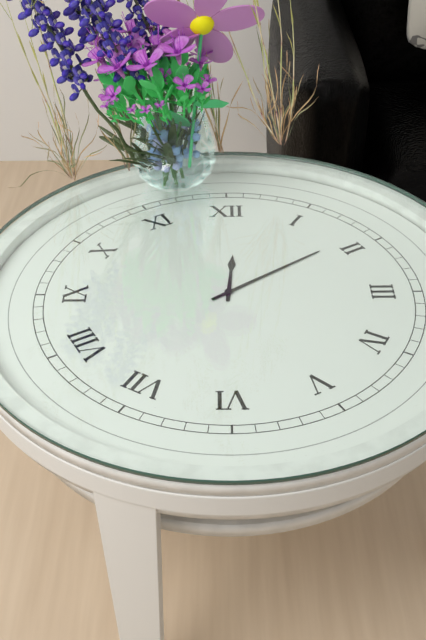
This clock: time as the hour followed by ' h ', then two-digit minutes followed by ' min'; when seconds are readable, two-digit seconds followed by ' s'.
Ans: 12 h 09 min
